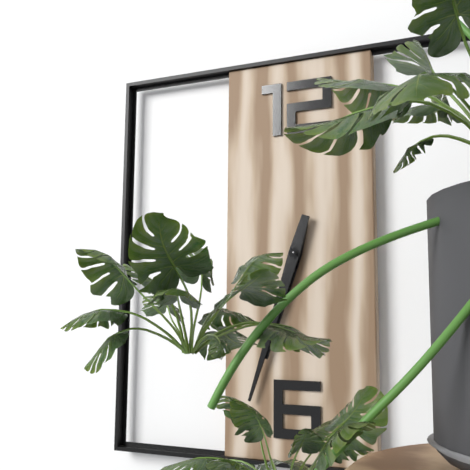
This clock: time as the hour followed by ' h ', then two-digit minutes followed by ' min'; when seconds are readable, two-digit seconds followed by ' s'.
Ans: 6 h 33 min
